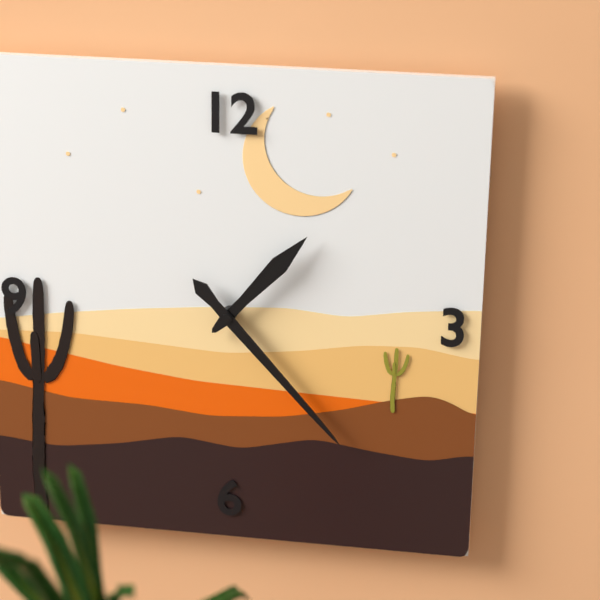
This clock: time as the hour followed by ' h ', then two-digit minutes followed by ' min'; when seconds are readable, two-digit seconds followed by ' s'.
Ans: 1 h 23 min
